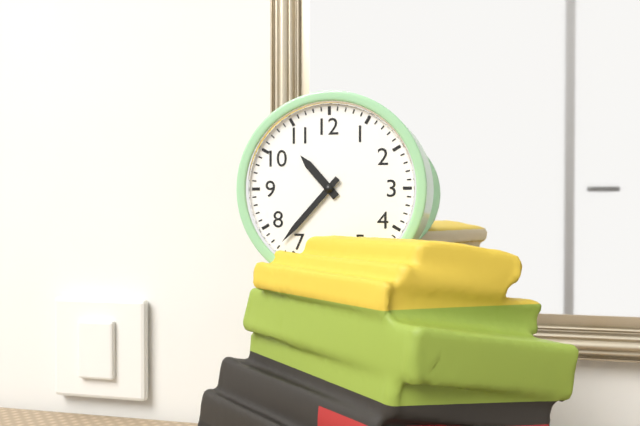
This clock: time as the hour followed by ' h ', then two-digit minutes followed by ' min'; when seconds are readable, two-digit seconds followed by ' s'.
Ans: 10 h 37 min
